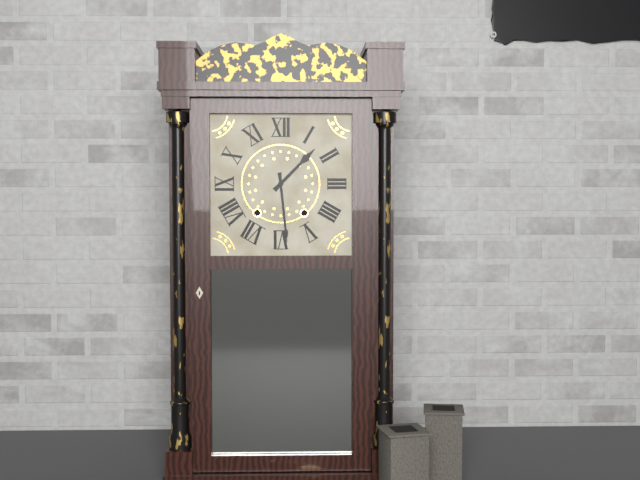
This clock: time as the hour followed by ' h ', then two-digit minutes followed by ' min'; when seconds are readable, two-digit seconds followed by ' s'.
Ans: 1 h 29 min
